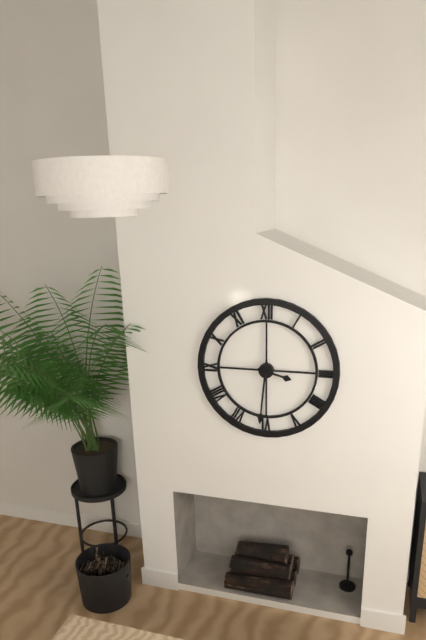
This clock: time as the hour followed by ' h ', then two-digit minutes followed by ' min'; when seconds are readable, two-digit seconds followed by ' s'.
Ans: 3 h 31 min
